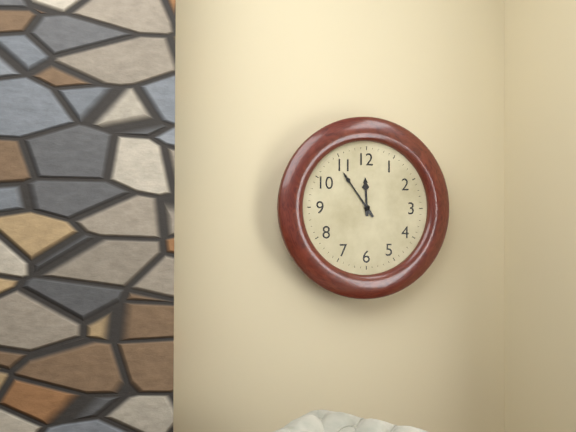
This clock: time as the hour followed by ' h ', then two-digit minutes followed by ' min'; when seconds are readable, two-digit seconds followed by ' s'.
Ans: 11 h 54 min
